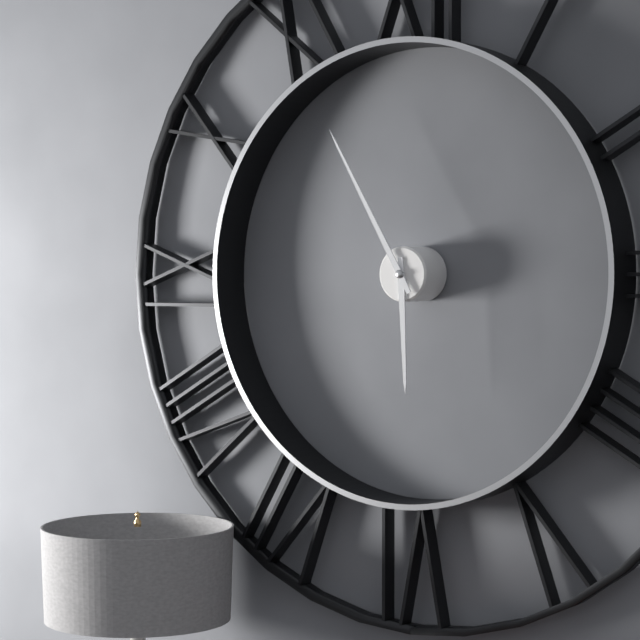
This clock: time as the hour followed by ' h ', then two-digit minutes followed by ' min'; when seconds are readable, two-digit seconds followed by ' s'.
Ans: 5 h 55 min
